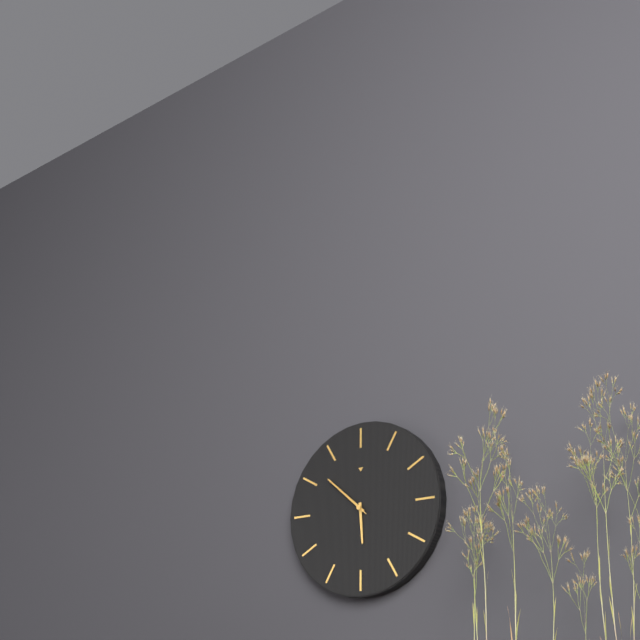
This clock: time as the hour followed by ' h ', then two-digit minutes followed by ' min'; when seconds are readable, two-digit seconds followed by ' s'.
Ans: 5 h 52 min
